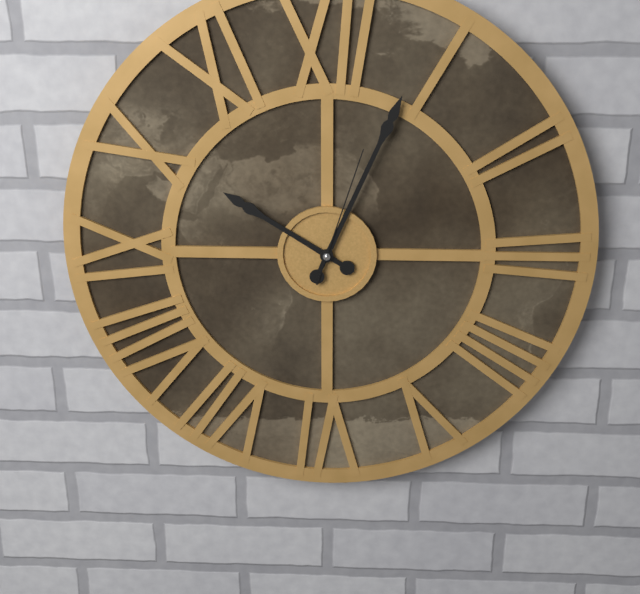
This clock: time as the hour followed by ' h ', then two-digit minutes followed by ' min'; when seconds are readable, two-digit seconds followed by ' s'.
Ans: 10 h 04 min 03 s
